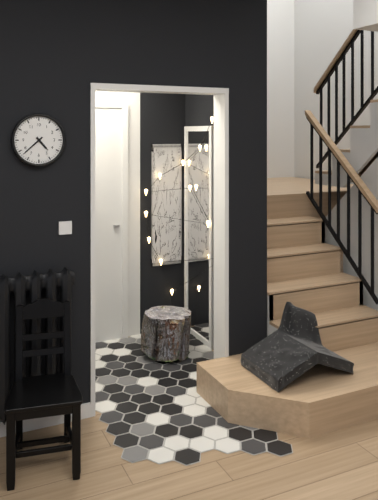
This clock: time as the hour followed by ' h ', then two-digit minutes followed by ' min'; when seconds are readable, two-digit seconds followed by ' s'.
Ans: 4 h 38 min
